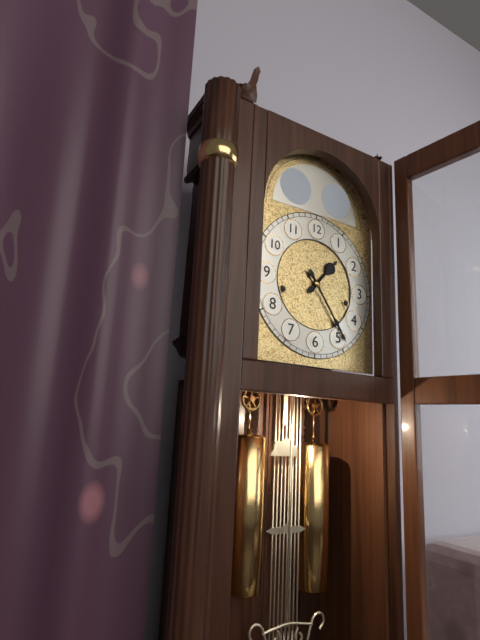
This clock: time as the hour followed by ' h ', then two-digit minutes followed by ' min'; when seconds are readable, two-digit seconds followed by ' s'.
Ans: 1 h 24 min
